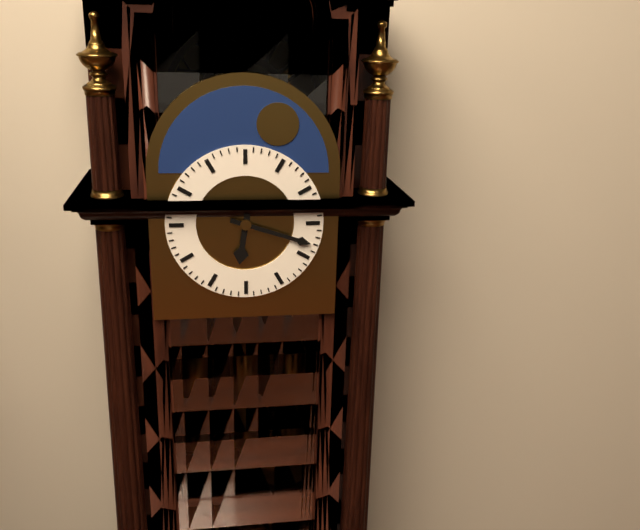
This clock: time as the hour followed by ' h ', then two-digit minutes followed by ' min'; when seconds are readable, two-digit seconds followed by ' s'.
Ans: 6 h 18 min
